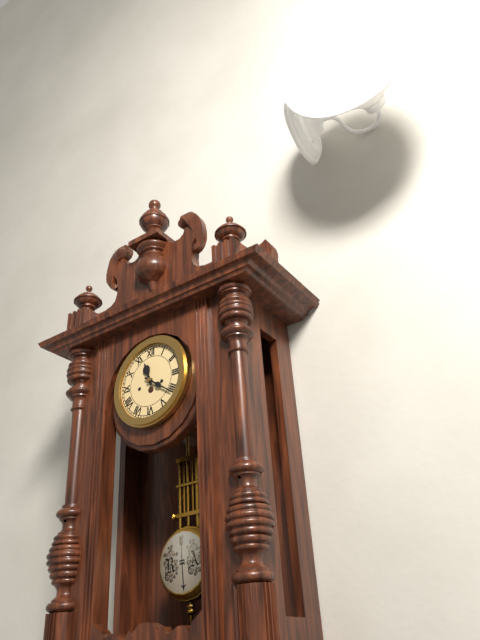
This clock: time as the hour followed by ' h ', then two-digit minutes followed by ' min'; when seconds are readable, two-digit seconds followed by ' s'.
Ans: 11 h 21 min
